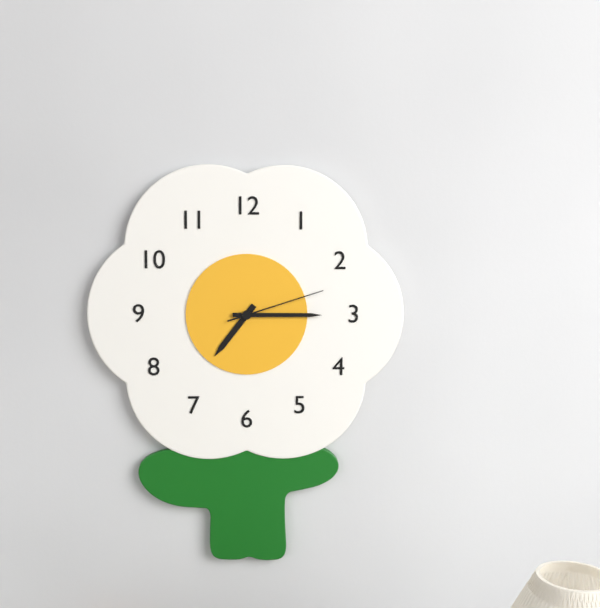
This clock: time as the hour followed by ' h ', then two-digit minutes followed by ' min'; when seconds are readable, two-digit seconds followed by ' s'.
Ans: 7 h 15 min 12 s
